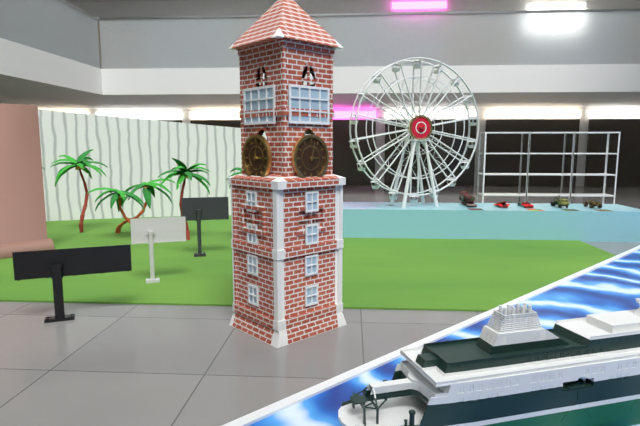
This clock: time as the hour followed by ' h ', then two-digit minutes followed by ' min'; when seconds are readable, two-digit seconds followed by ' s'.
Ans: 3 h 02 min
